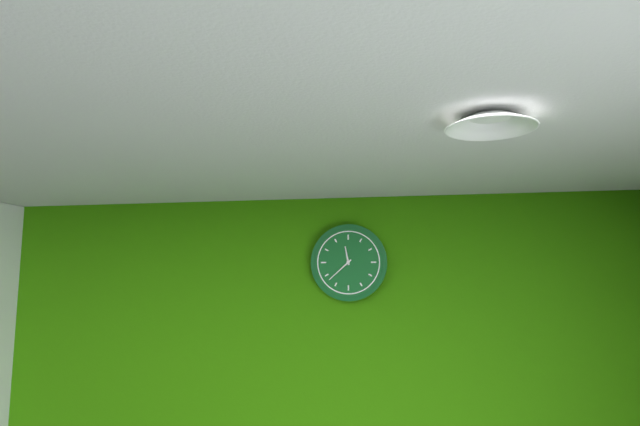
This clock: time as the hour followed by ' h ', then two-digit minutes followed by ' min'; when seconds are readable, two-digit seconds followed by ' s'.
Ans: 11 h 38 min
